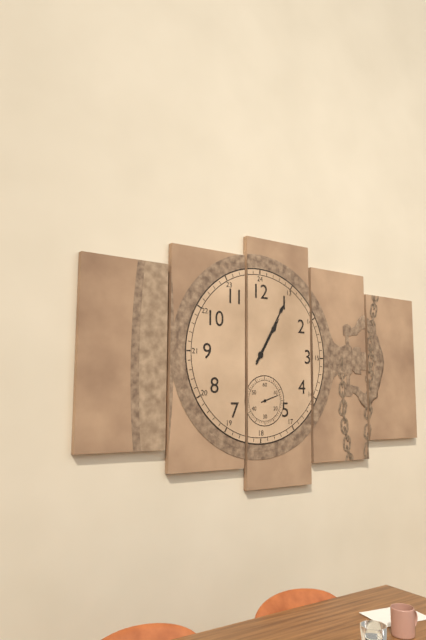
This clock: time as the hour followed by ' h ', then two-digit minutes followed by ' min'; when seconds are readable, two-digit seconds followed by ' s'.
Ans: 1 h 05 min
